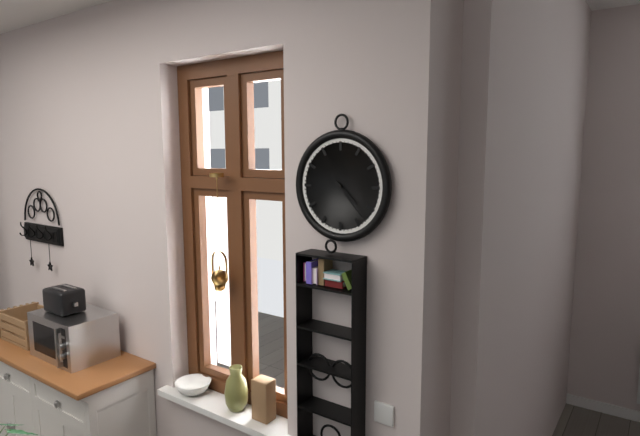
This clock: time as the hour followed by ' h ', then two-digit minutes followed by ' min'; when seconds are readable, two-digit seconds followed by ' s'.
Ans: 4 h 23 min
